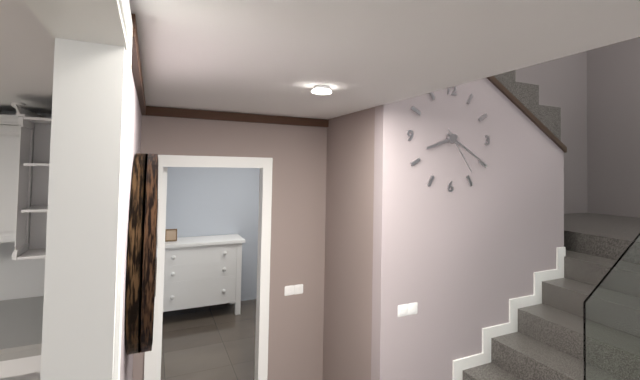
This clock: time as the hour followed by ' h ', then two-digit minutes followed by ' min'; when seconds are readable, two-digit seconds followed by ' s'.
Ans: 8 h 20 min
